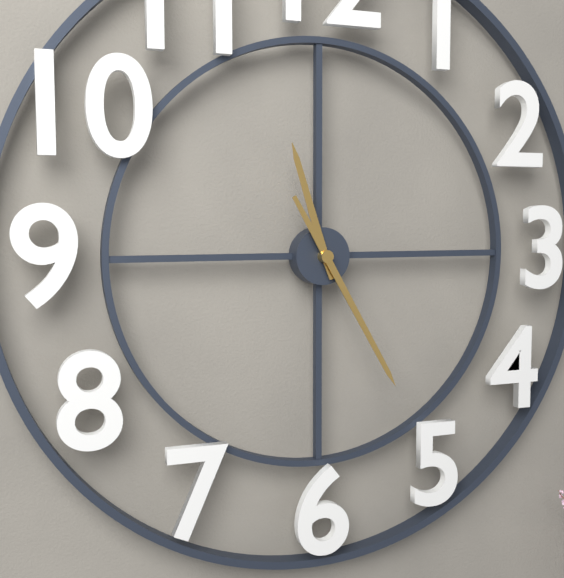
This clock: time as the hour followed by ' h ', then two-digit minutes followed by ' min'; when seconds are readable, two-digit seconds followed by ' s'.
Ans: 11 h 25 min
